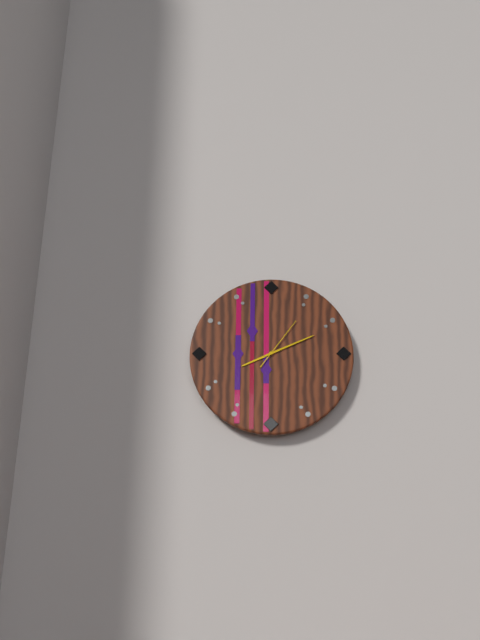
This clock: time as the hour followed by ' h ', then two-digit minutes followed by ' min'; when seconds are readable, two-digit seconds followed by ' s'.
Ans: 8 h 11 min 06 s
